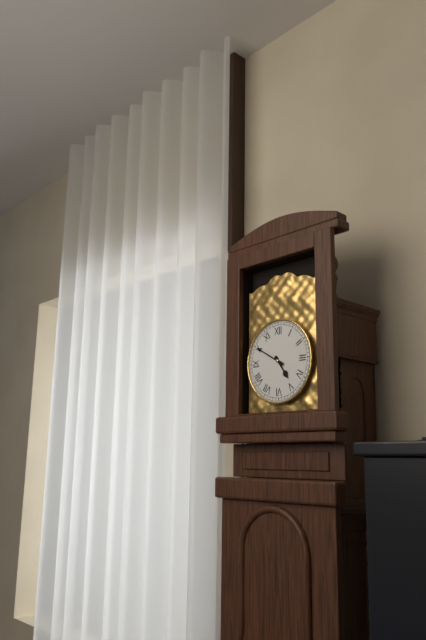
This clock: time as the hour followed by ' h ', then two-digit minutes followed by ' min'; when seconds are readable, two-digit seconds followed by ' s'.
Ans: 4 h 50 min
